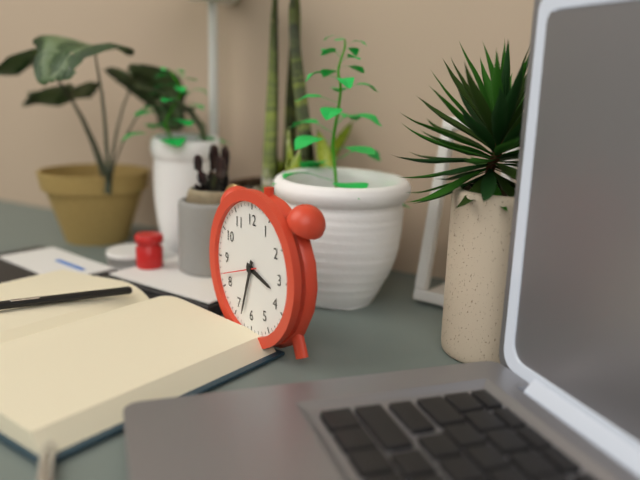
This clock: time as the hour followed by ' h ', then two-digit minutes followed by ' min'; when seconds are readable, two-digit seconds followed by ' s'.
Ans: 3 h 33 min
